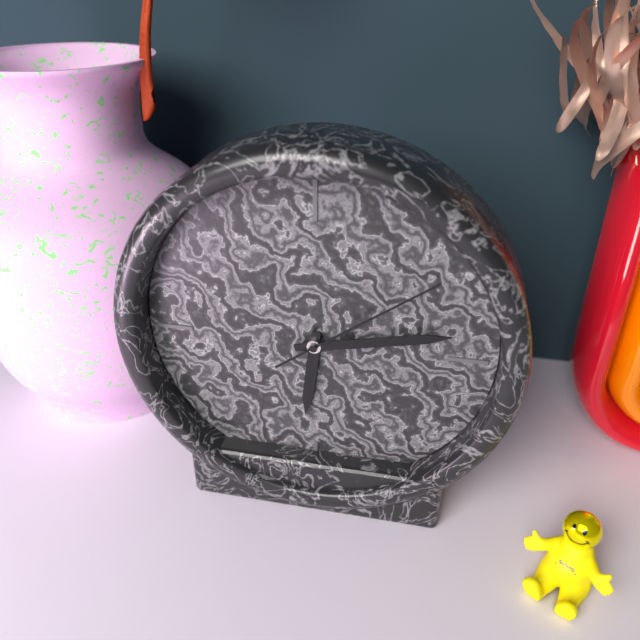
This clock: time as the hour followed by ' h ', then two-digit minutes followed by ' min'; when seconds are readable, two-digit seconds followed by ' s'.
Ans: 6 h 13 min 09 s
